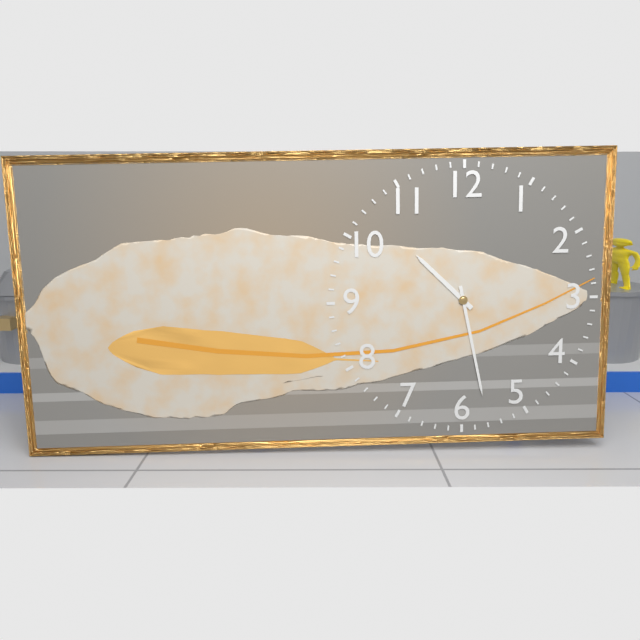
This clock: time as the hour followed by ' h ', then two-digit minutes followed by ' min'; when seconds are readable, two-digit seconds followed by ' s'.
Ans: 10 h 28 min
